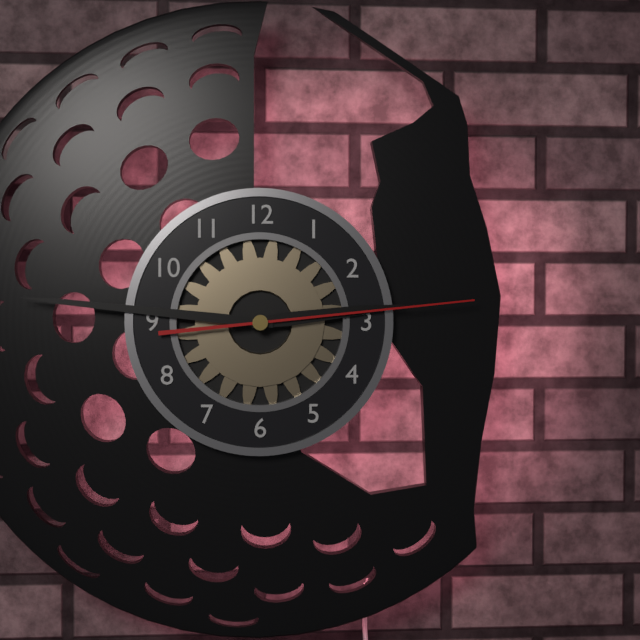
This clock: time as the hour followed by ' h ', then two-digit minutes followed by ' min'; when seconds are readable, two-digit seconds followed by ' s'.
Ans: 2 h 46 min 14 s
